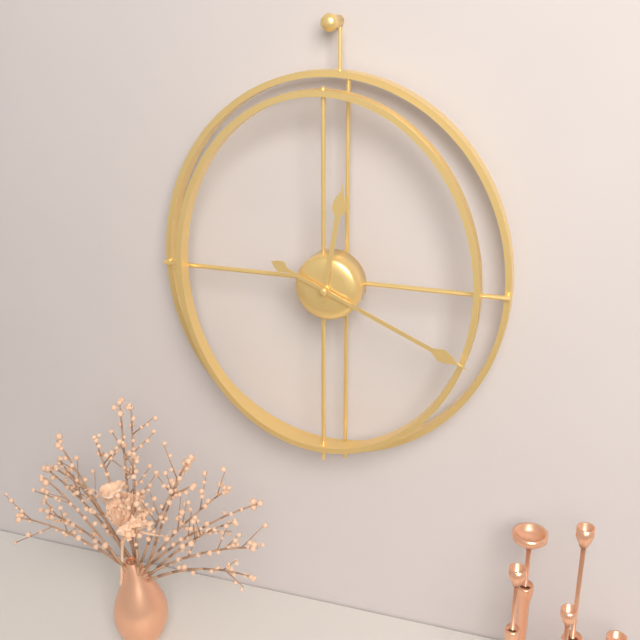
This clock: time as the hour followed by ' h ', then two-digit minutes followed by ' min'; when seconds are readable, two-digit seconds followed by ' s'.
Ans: 12 h 19 min
